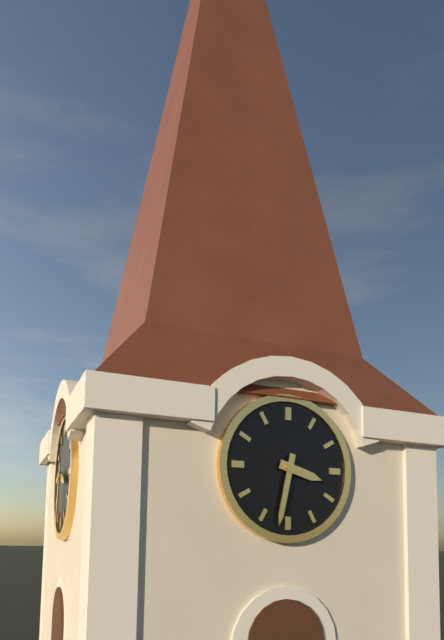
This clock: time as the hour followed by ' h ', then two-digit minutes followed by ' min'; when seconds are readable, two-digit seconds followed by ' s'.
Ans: 3 h 32 min
